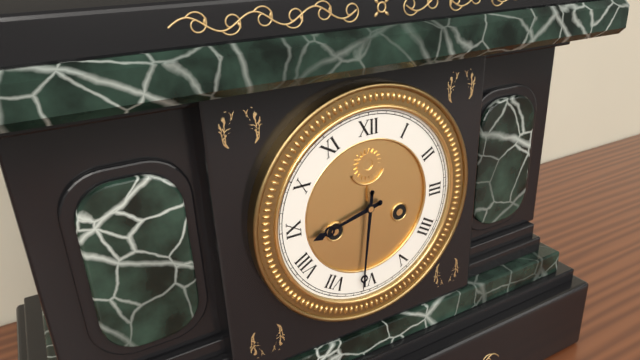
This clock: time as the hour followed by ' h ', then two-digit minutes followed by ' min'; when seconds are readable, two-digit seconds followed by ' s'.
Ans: 8 h 31 min
